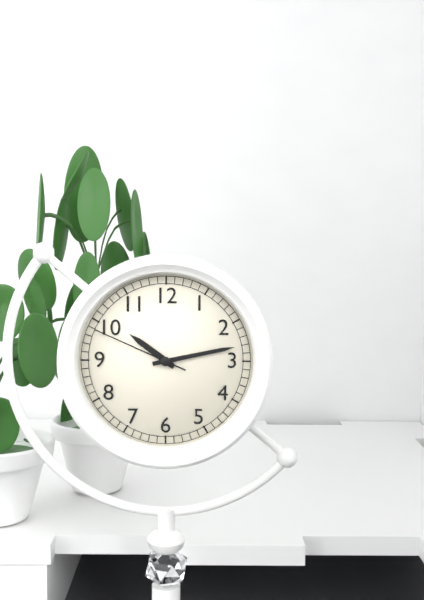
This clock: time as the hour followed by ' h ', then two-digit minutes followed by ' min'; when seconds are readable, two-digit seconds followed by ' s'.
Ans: 10 h 13 min 49 s
